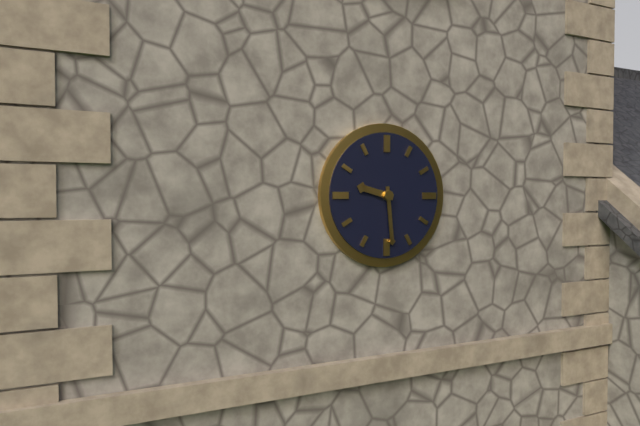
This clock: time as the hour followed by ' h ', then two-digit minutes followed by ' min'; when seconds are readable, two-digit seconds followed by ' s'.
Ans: 9 h 29 min
